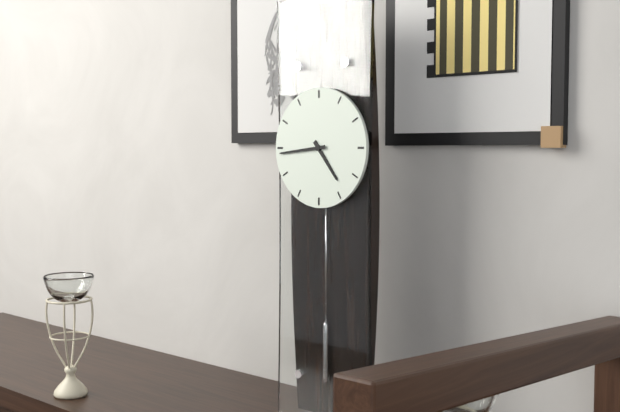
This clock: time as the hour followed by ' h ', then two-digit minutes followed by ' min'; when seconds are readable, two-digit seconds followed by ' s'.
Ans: 4 h 44 min
